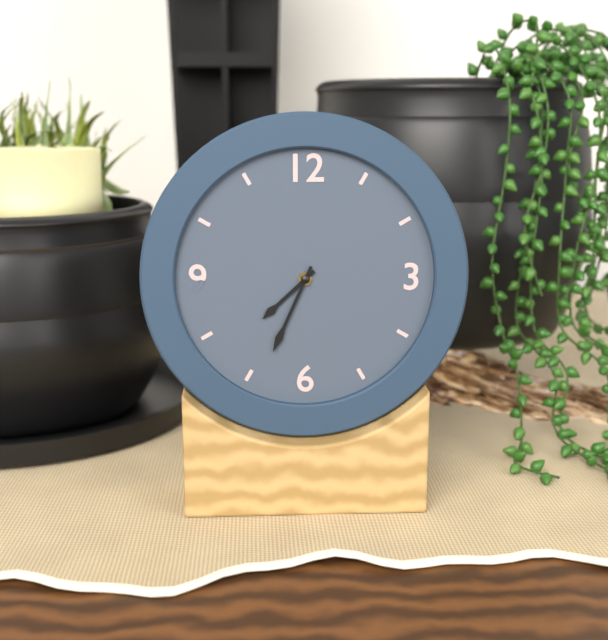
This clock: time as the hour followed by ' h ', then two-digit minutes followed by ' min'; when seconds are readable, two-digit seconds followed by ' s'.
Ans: 7 h 34 min
